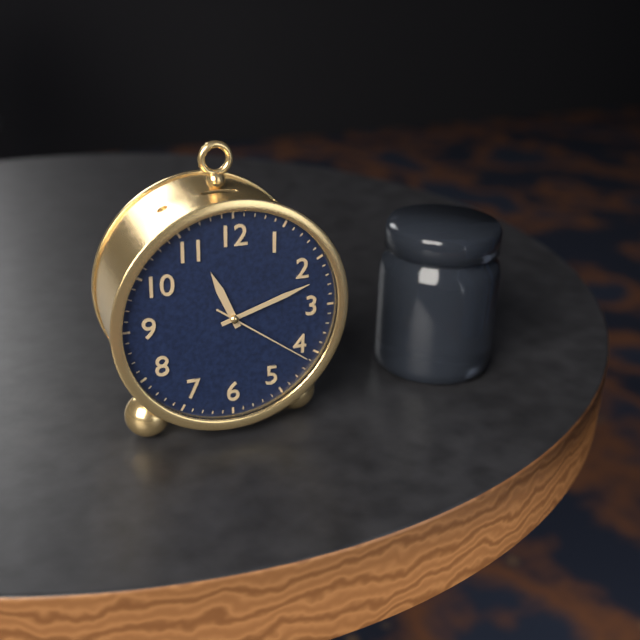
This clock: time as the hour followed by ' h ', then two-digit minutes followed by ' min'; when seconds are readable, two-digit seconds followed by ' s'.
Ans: 11 h 12 min 21 s
